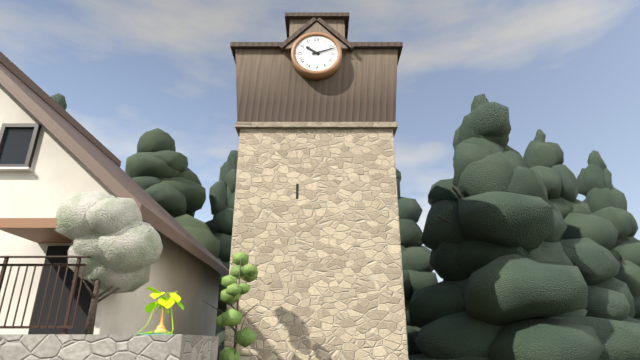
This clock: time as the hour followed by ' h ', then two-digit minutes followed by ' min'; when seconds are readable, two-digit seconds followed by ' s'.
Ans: 10 h 12 min
